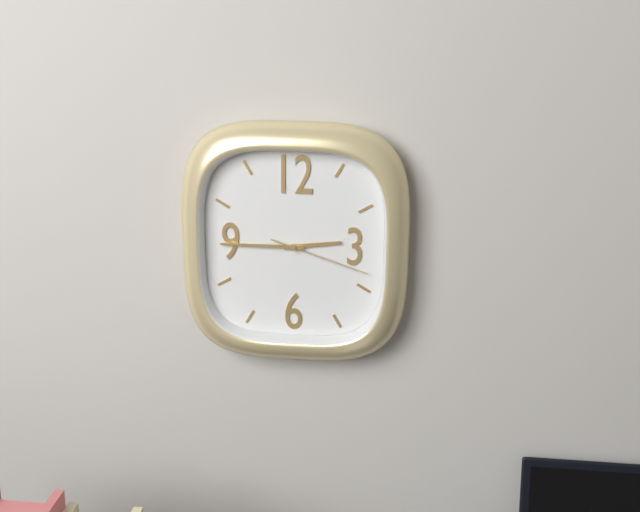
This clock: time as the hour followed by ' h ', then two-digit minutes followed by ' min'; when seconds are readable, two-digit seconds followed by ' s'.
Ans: 2 h 45 min 18 s
